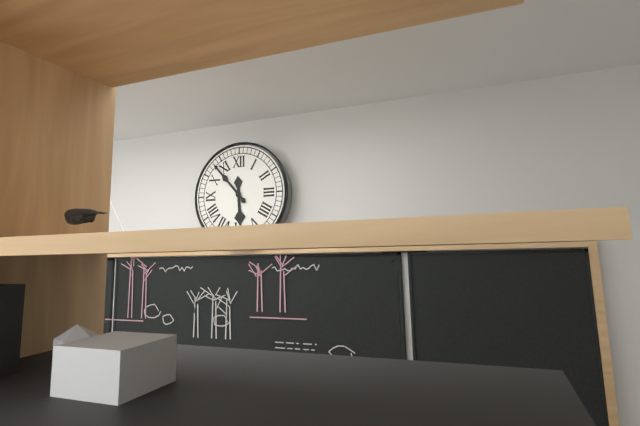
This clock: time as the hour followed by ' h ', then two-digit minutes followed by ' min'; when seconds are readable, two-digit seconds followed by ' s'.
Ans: 5 h 53 min
